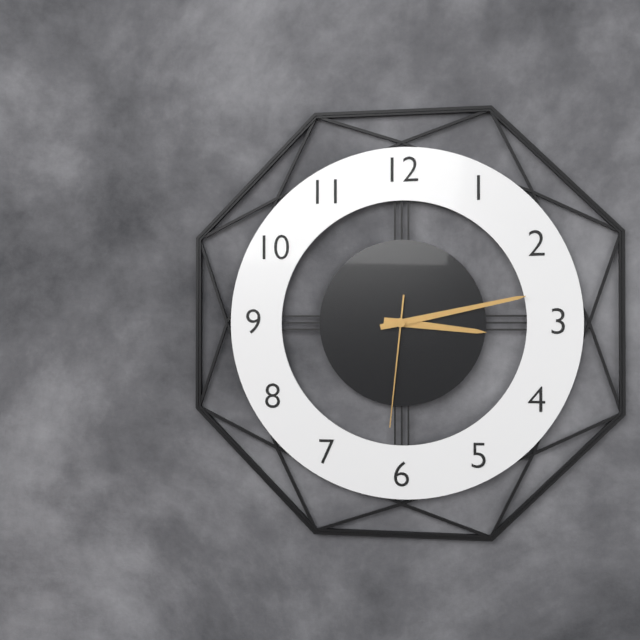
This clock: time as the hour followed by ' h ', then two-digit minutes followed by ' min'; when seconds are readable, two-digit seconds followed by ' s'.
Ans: 3 h 13 min 31 s
